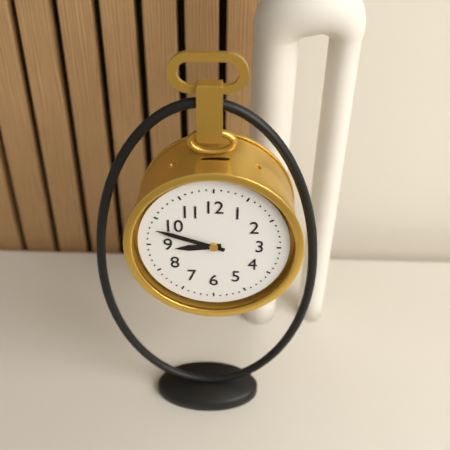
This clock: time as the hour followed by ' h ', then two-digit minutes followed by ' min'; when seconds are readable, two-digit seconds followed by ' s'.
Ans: 8 h 48 min
